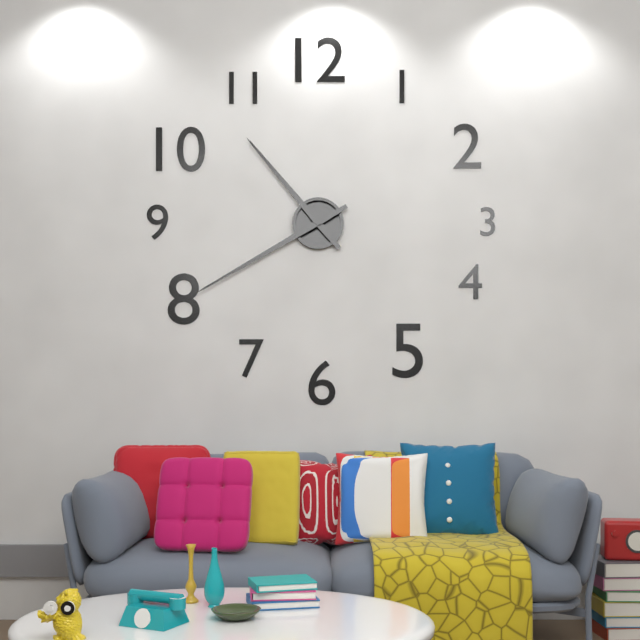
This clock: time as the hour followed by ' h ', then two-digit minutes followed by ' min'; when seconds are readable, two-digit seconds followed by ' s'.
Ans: 10 h 40 min
